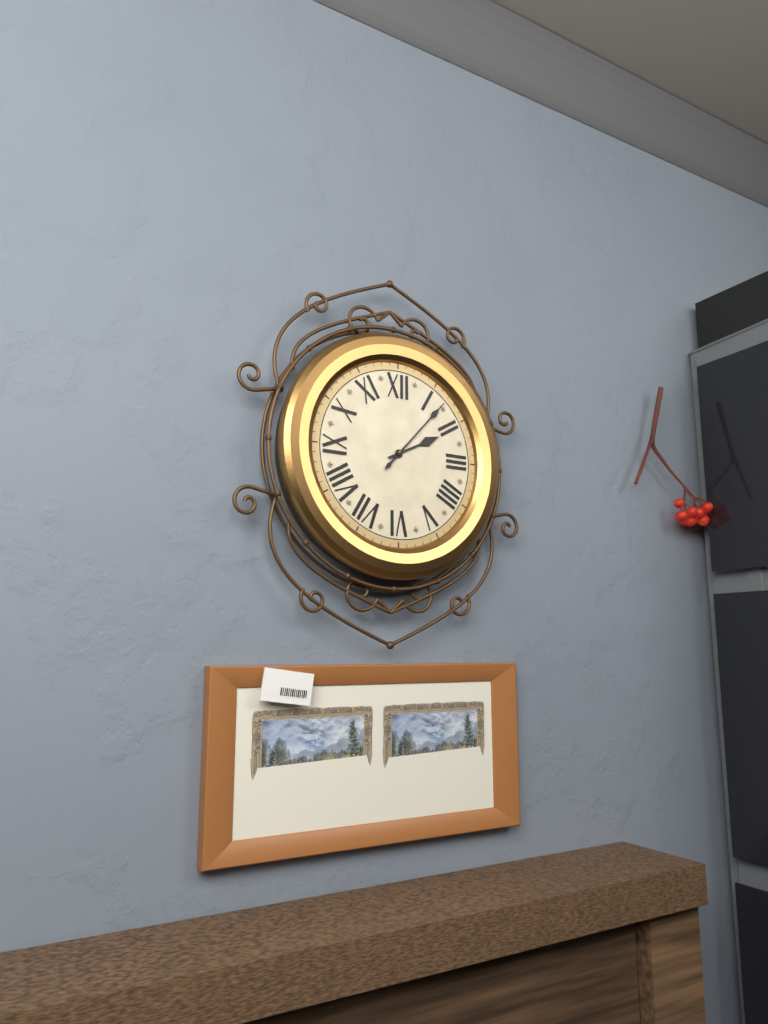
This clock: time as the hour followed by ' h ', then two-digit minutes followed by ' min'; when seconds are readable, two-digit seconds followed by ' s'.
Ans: 2 h 07 min
